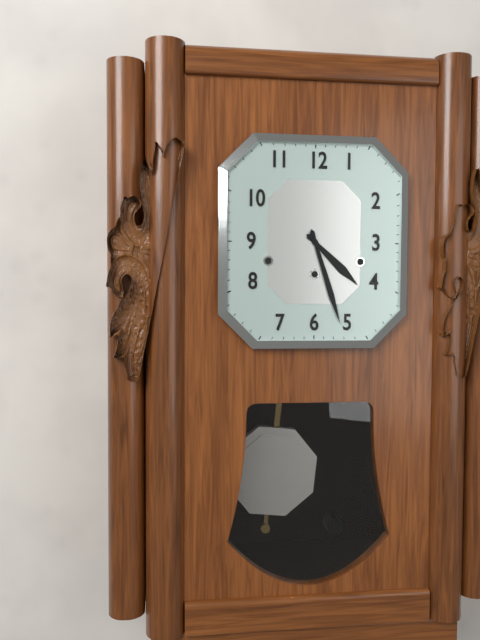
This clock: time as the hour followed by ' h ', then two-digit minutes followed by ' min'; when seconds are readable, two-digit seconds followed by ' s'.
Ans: 4 h 27 min
